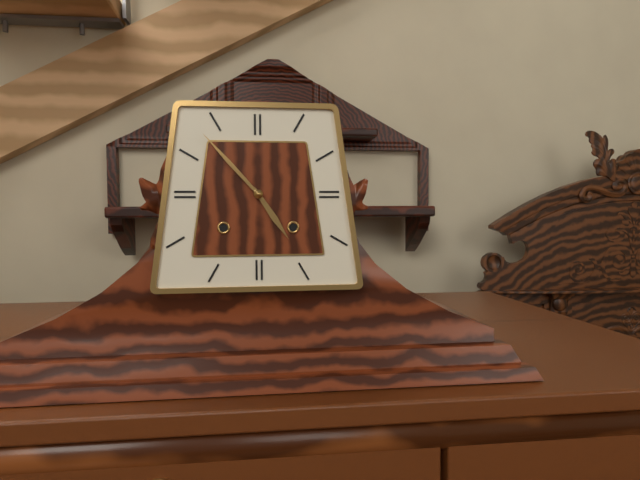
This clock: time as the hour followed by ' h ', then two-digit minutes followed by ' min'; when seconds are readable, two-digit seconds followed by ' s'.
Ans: 4 h 53 min
